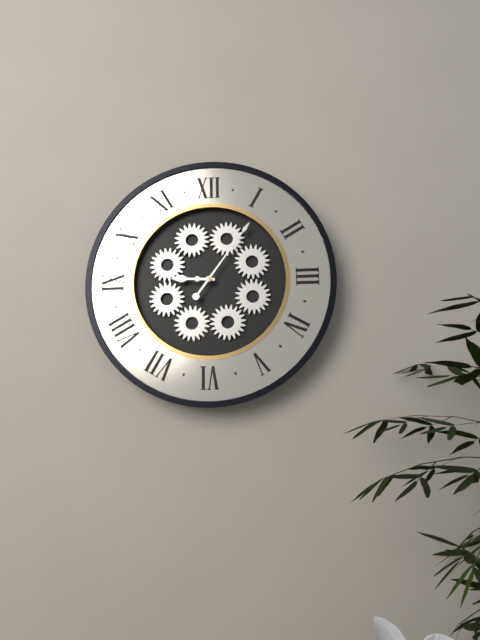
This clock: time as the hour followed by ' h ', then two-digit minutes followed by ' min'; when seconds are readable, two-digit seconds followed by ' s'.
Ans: 9 h 06 min
